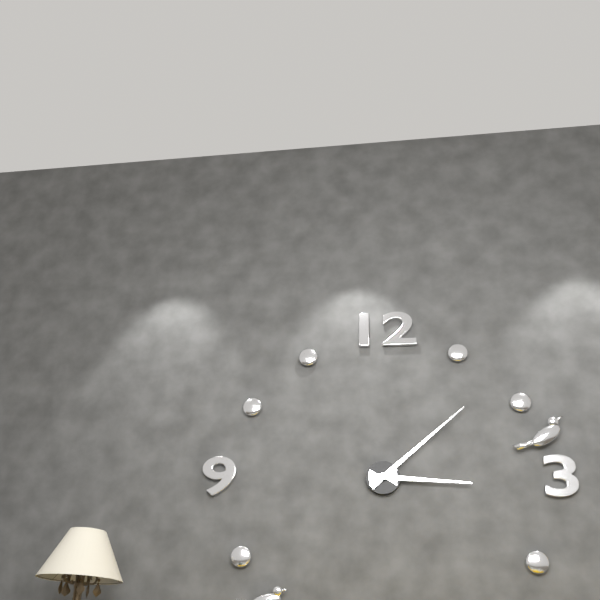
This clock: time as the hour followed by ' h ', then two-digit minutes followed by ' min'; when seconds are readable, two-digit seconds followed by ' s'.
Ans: 3 h 08 min
